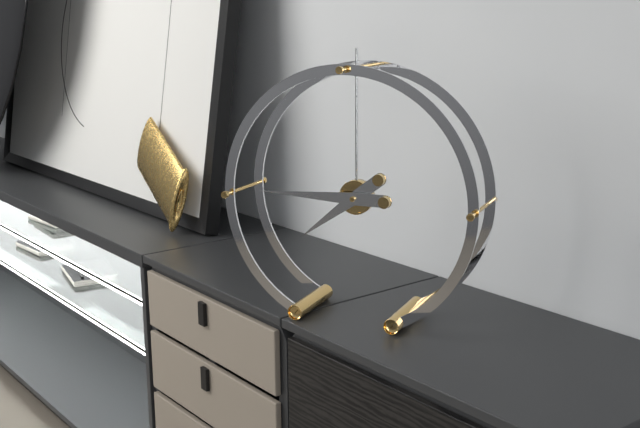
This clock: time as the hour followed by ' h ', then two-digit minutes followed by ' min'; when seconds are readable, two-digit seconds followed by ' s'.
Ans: 7 h 45 min
